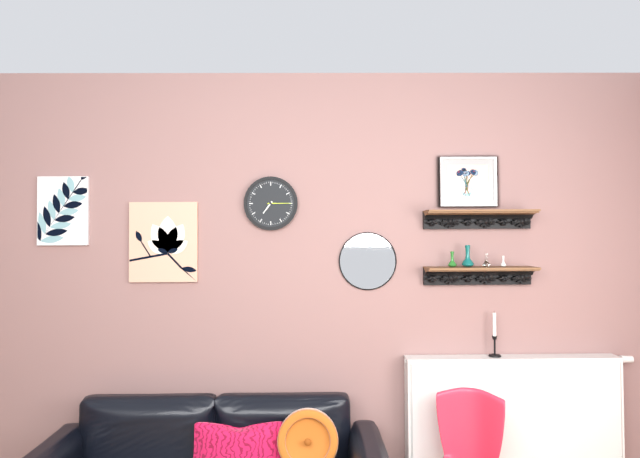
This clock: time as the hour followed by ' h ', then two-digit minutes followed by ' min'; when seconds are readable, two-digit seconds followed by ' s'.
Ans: 7 h 15 min
